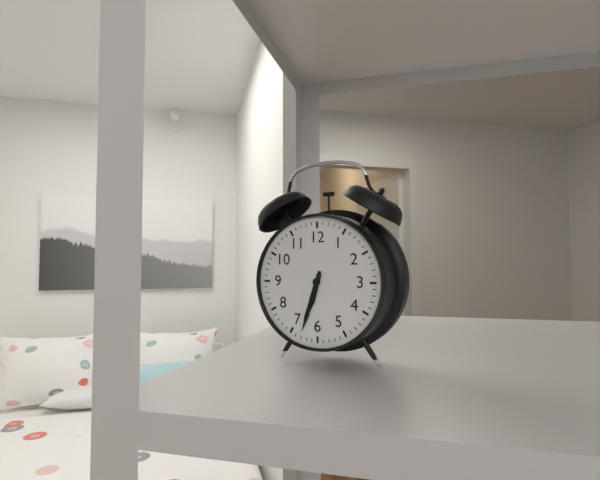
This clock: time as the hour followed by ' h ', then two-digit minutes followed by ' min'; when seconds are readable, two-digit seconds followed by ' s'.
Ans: 6 h 33 min
